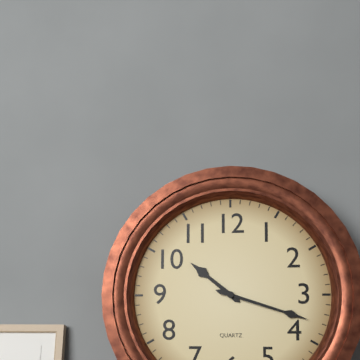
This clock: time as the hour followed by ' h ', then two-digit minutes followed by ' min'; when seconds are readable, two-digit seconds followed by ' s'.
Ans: 10 h 18 min
